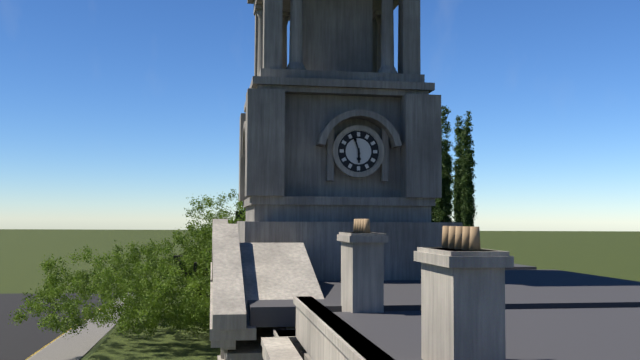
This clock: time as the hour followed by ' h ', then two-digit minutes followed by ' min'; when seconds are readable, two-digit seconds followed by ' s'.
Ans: 5 h 57 min
